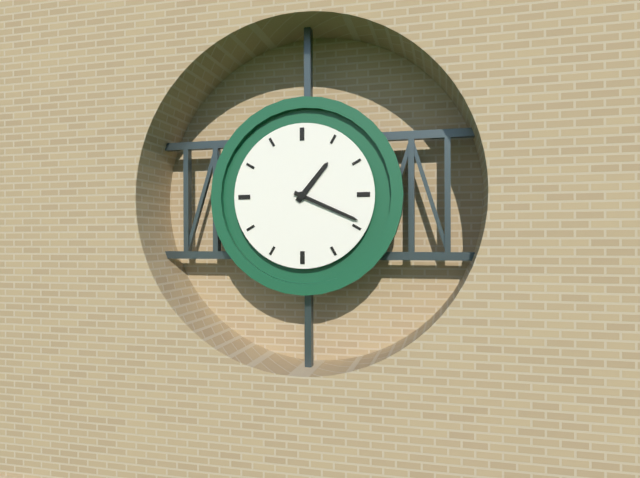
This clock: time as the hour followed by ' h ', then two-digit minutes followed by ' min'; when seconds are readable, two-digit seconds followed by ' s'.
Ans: 1 h 19 min
